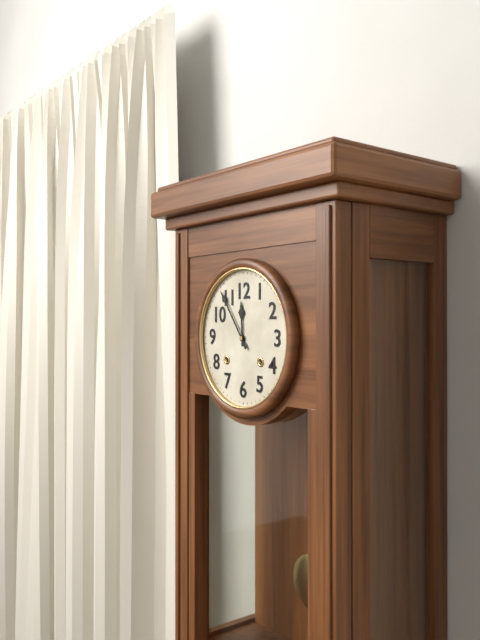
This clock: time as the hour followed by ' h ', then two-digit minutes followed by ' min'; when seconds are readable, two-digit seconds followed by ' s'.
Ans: 11 h 54 min
